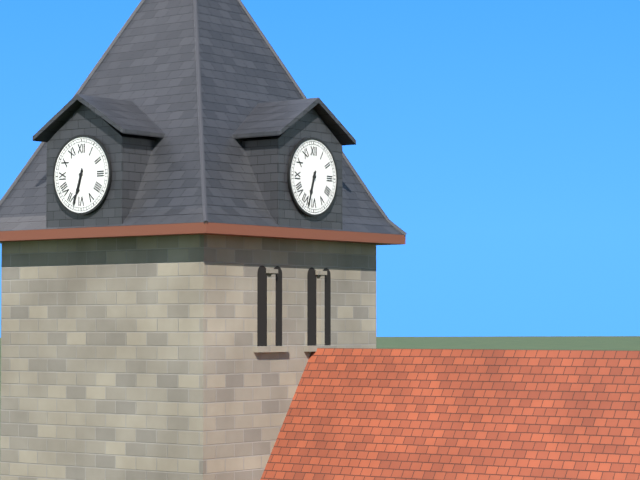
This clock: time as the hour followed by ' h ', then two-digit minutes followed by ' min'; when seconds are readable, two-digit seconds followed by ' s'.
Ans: 6 h 33 min
